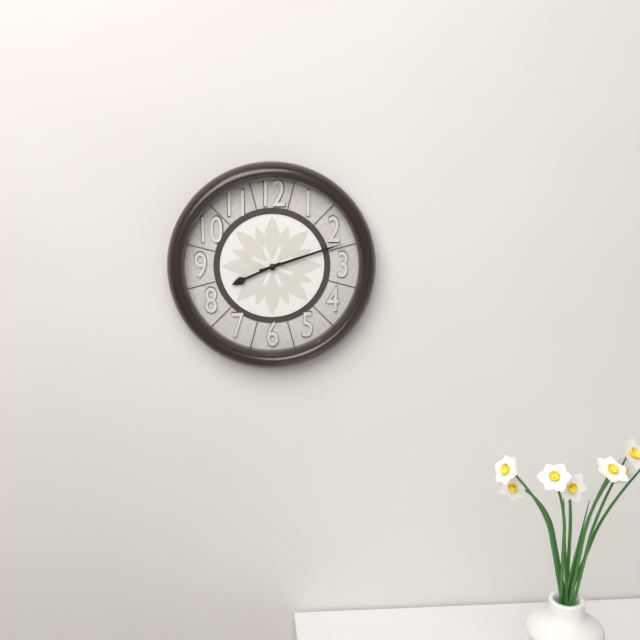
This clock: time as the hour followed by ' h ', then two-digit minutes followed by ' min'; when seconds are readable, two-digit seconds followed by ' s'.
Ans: 8 h 12 min
